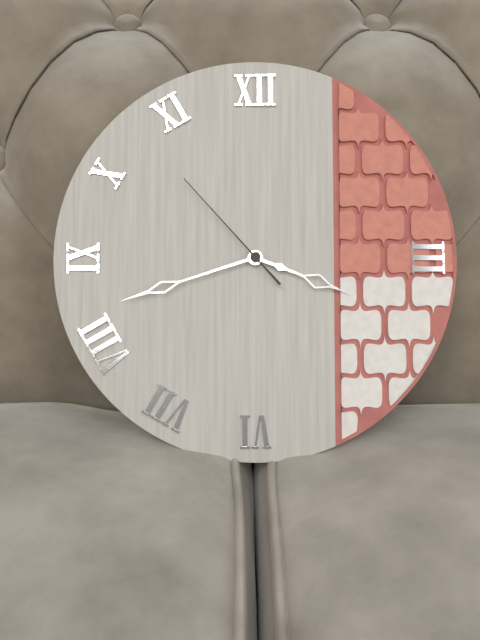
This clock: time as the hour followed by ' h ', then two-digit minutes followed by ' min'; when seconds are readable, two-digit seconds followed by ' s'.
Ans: 3 h 42 min 53 s
